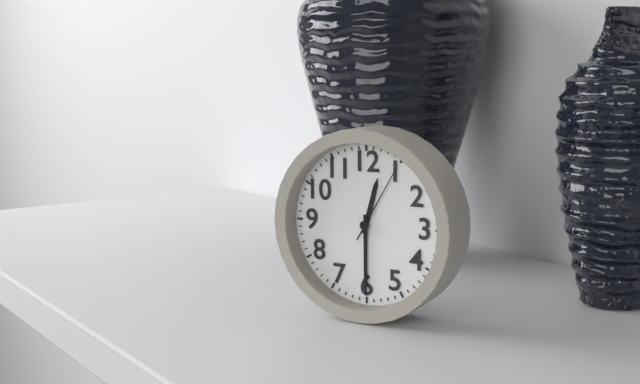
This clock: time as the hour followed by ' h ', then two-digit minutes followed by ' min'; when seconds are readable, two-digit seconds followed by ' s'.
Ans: 12 h 30 min 05 s
